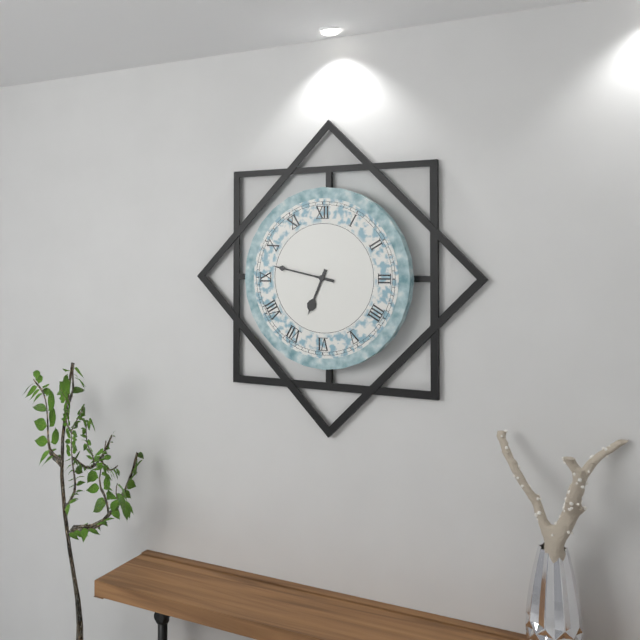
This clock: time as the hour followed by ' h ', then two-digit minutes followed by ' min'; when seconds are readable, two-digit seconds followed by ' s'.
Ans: 6 h 47 min
